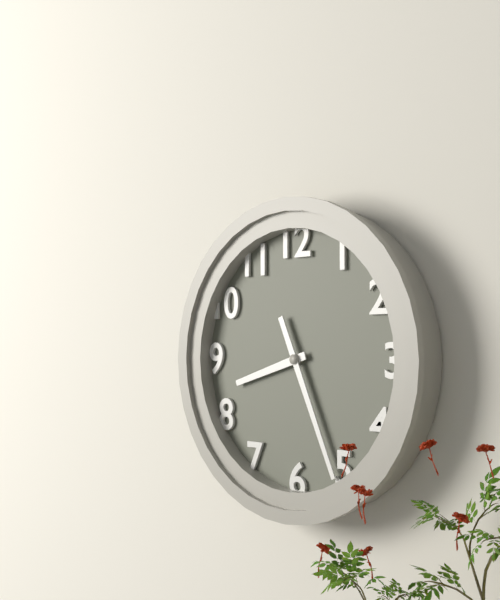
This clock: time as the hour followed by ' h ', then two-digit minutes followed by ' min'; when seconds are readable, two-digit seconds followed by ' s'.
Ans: 8 h 26 min
